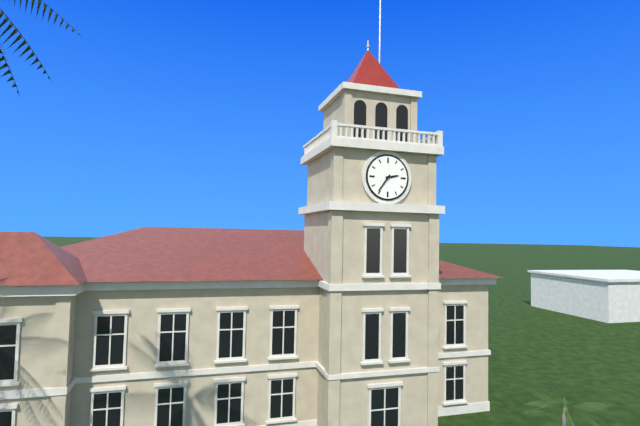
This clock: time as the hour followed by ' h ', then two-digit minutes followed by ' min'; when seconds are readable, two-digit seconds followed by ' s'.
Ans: 2 h 36 min
